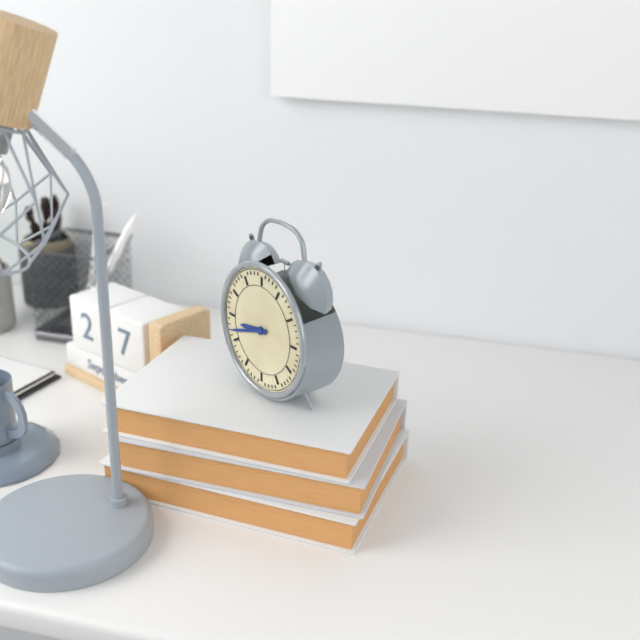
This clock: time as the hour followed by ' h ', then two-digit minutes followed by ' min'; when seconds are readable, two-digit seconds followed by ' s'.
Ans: 8 h 42 min
